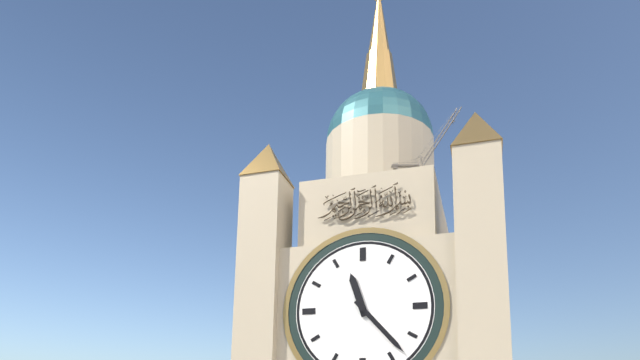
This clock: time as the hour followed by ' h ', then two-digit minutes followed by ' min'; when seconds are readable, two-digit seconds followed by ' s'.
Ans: 11 h 23 min
